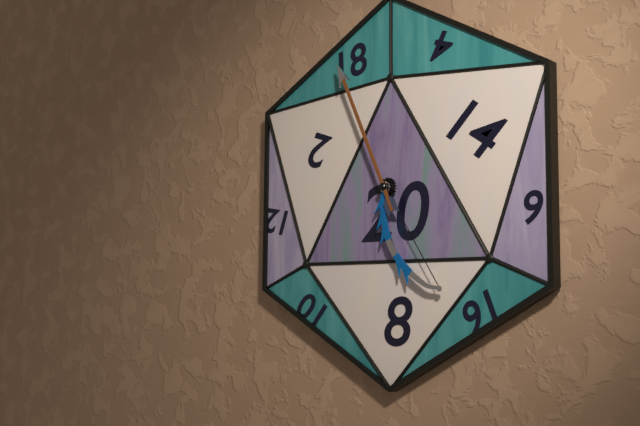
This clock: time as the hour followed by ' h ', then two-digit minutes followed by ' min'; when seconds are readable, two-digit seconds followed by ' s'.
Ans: 4 h 56 min
